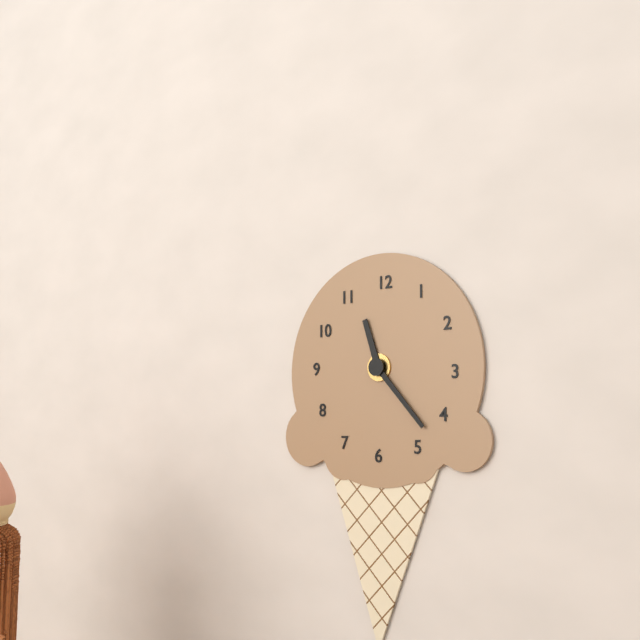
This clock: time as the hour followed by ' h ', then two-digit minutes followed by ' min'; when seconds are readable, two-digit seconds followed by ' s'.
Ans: 11 h 23 min
